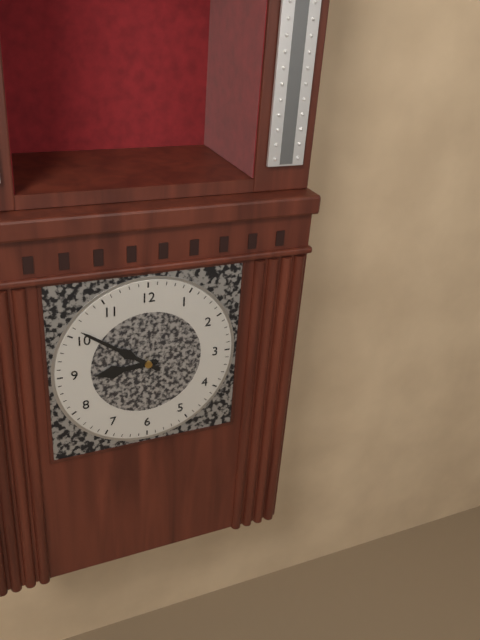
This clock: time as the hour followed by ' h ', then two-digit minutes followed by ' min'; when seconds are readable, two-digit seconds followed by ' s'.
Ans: 8 h 51 min
